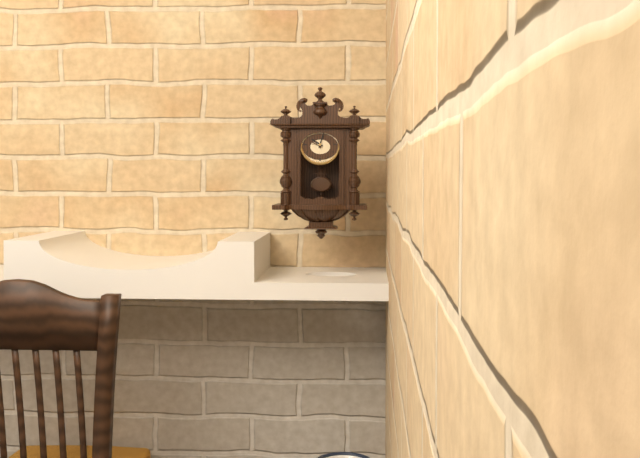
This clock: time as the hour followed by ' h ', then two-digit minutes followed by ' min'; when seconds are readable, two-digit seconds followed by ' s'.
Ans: 10 h 03 min
